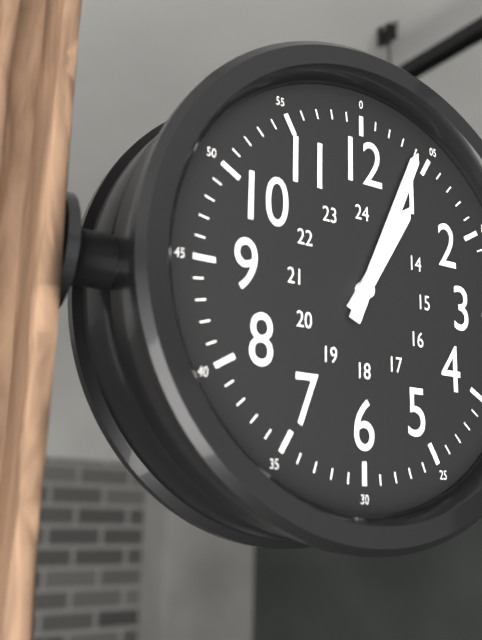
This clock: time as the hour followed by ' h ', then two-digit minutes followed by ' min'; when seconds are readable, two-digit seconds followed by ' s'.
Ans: 1 h 04 min
